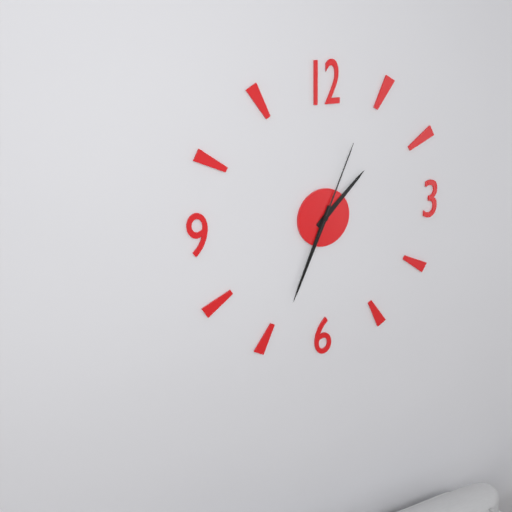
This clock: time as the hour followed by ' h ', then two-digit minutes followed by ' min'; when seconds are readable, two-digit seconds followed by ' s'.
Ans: 1 h 34 min 04 s
